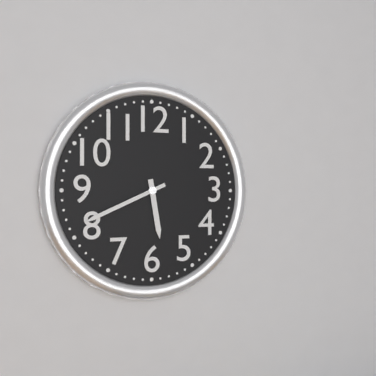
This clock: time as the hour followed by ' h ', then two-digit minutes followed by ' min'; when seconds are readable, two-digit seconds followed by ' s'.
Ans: 5 h 41 min
